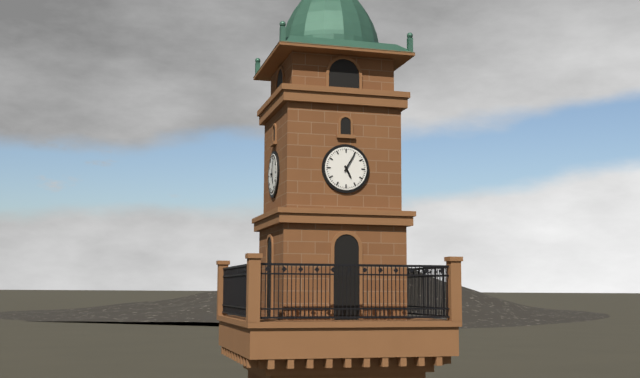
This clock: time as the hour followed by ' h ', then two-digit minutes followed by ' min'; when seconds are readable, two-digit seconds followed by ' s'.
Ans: 5 h 05 min
